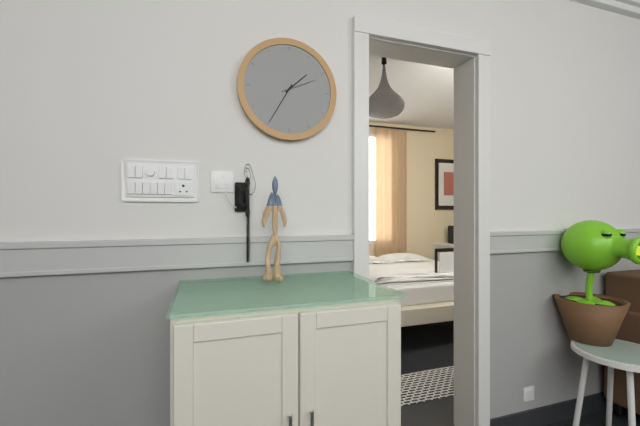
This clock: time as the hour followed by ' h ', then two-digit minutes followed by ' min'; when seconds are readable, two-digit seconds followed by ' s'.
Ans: 1 h 35 min
